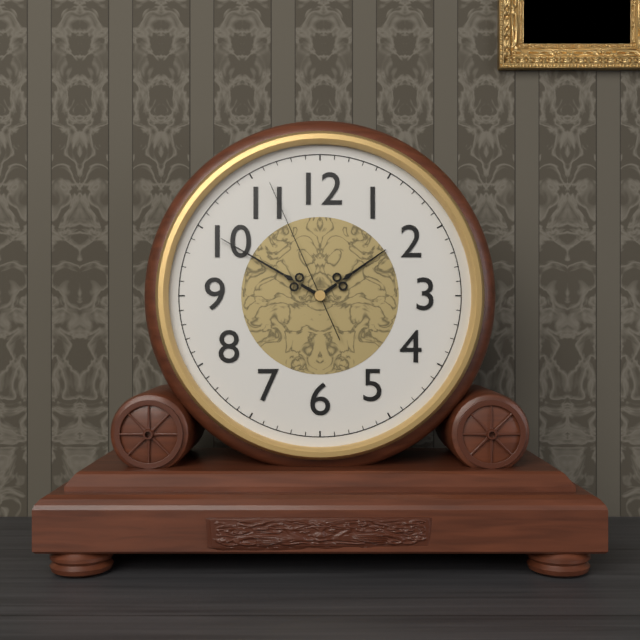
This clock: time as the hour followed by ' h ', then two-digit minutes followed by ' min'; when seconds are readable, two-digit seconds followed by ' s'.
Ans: 1 h 50 min 56 s
